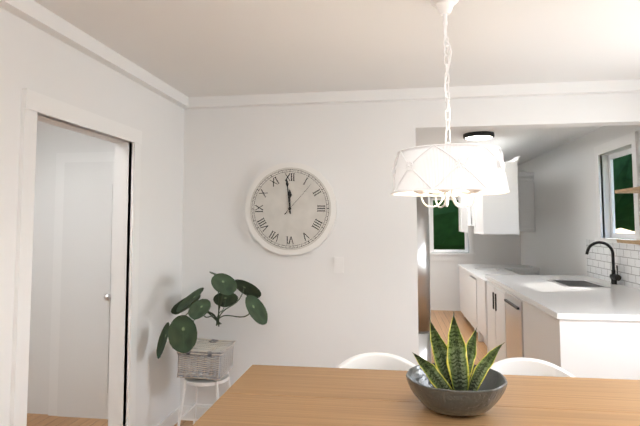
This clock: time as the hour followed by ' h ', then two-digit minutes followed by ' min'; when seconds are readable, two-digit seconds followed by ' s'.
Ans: 11 h 59 min
